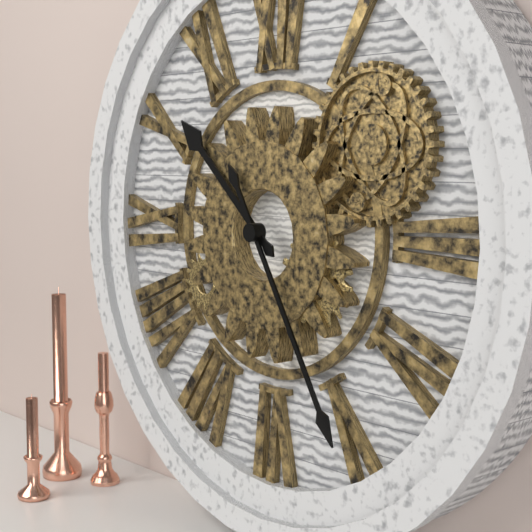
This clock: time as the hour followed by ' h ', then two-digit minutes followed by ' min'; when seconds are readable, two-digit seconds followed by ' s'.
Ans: 10 h 25 min
